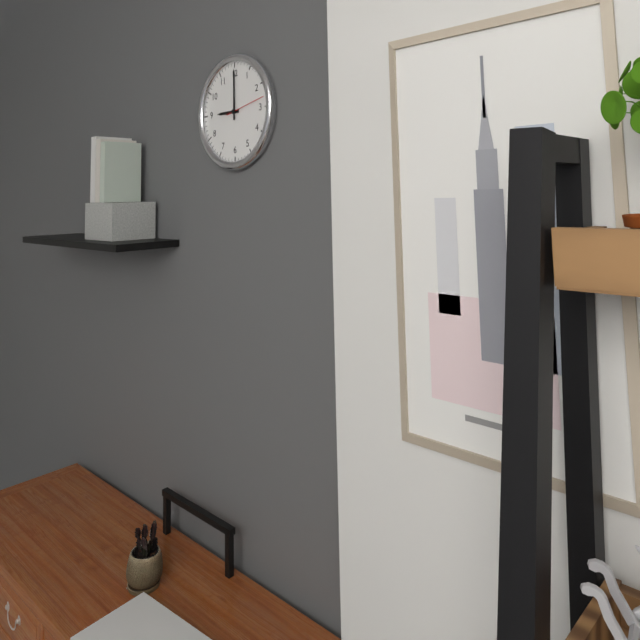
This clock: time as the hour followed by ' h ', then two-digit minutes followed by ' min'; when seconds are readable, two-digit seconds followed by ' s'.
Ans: 9 h 00 min
